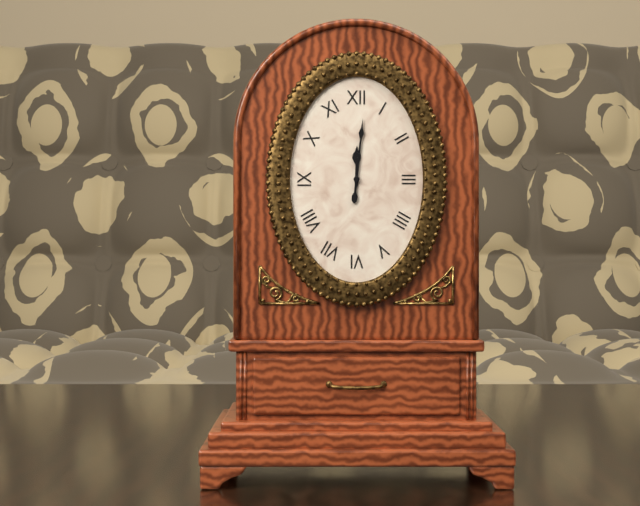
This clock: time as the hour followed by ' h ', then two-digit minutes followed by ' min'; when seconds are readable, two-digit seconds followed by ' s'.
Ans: 12 h 01 min
